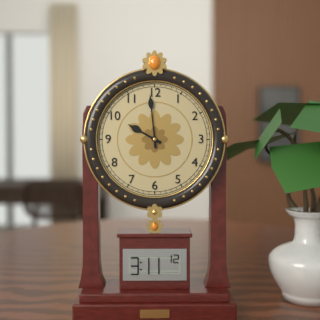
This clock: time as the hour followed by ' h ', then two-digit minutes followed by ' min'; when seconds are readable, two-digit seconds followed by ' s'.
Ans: 9 h 59 min
